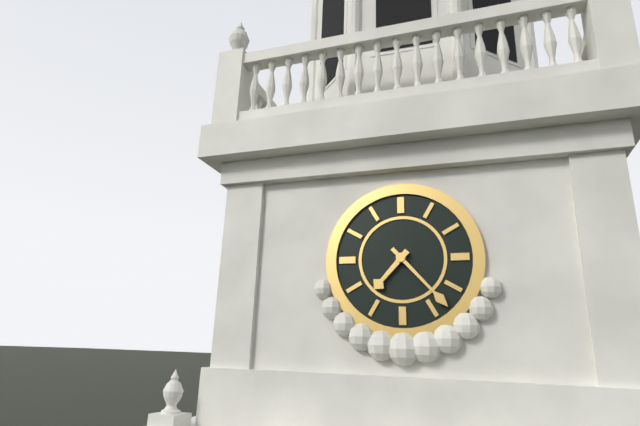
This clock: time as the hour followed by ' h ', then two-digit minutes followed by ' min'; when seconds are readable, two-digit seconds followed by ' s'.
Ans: 7 h 23 min
